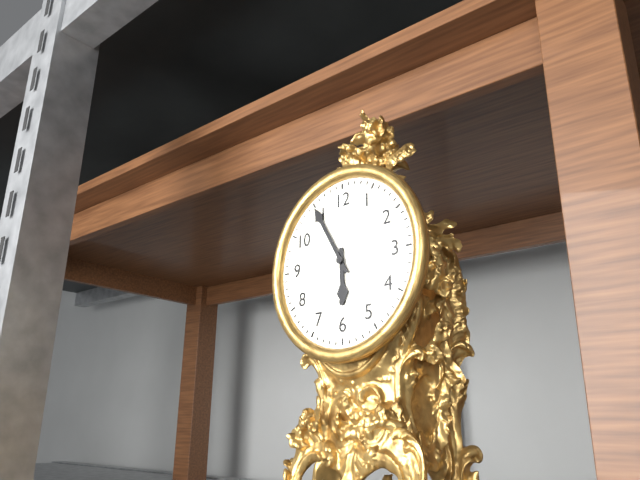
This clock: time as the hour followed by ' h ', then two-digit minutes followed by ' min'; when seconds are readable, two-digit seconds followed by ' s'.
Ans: 5 h 55 min
